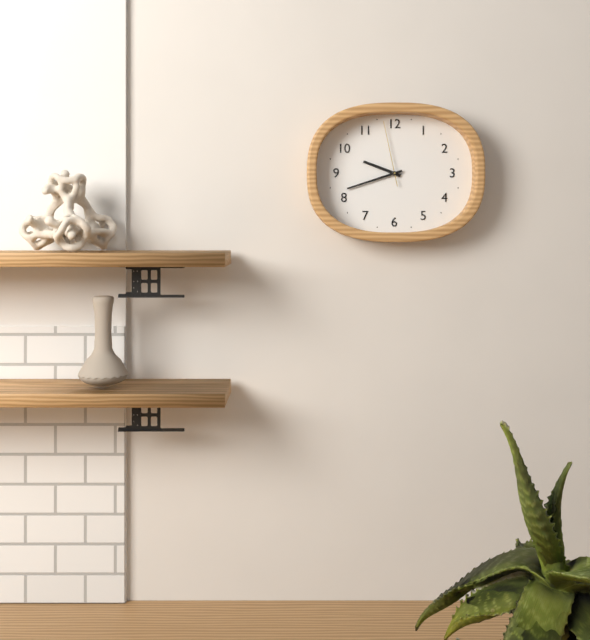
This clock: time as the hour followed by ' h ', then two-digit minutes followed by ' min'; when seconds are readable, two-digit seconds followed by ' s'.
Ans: 9 h 42 min 58 s
